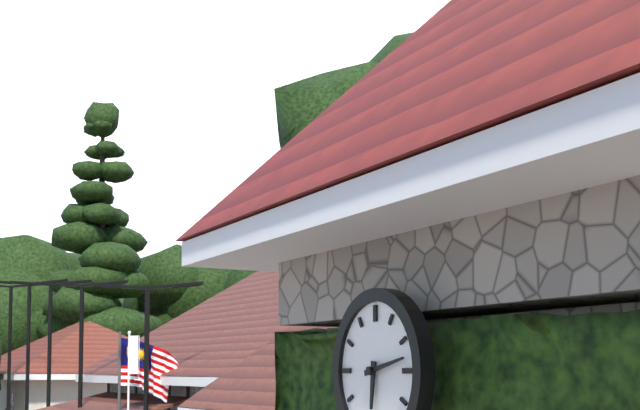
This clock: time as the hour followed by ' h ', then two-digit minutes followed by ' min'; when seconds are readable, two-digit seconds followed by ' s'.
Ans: 6 h 13 min
